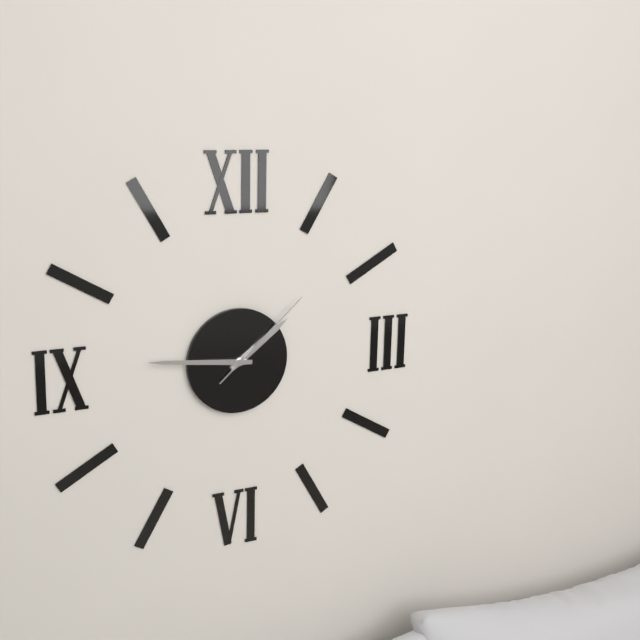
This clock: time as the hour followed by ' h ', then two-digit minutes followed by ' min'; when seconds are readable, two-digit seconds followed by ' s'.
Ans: 1 h 46 min 08 s
